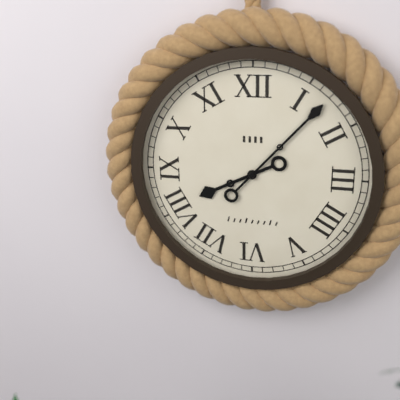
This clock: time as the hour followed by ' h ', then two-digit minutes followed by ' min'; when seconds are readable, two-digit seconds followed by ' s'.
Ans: 8 h 07 min
